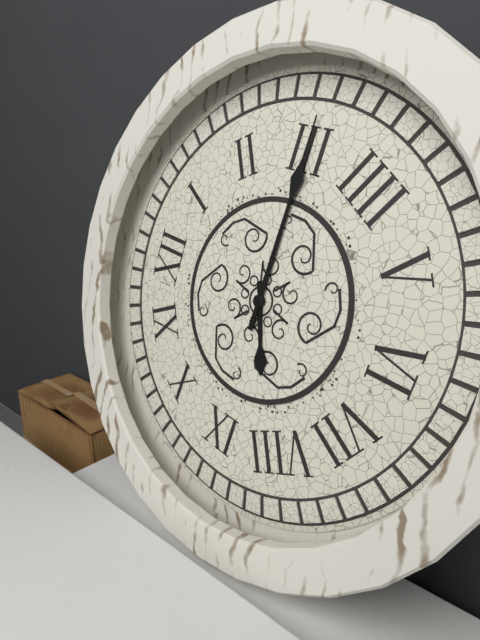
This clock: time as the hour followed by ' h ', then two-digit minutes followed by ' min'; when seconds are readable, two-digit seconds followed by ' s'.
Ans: 8 h 15 min
